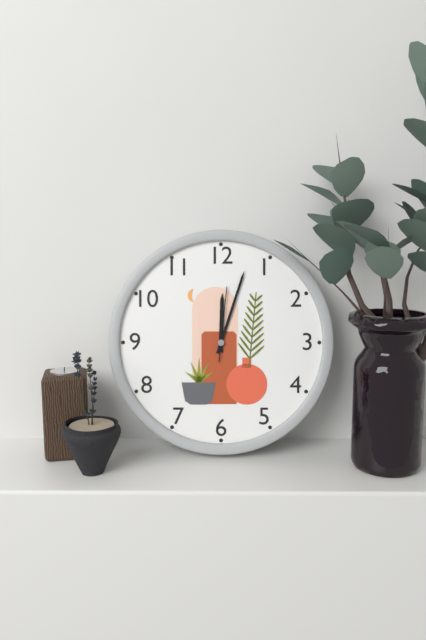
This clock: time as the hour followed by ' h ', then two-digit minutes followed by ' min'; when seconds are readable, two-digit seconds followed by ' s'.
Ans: 12 h 03 min 01 s
